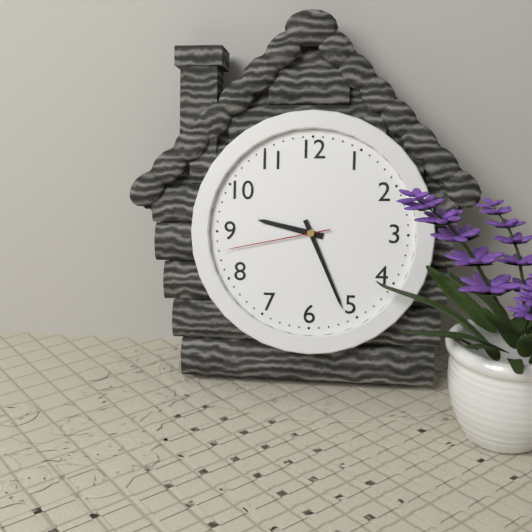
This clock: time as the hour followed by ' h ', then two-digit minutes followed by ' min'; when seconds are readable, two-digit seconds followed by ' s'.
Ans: 9 h 26 min 43 s
